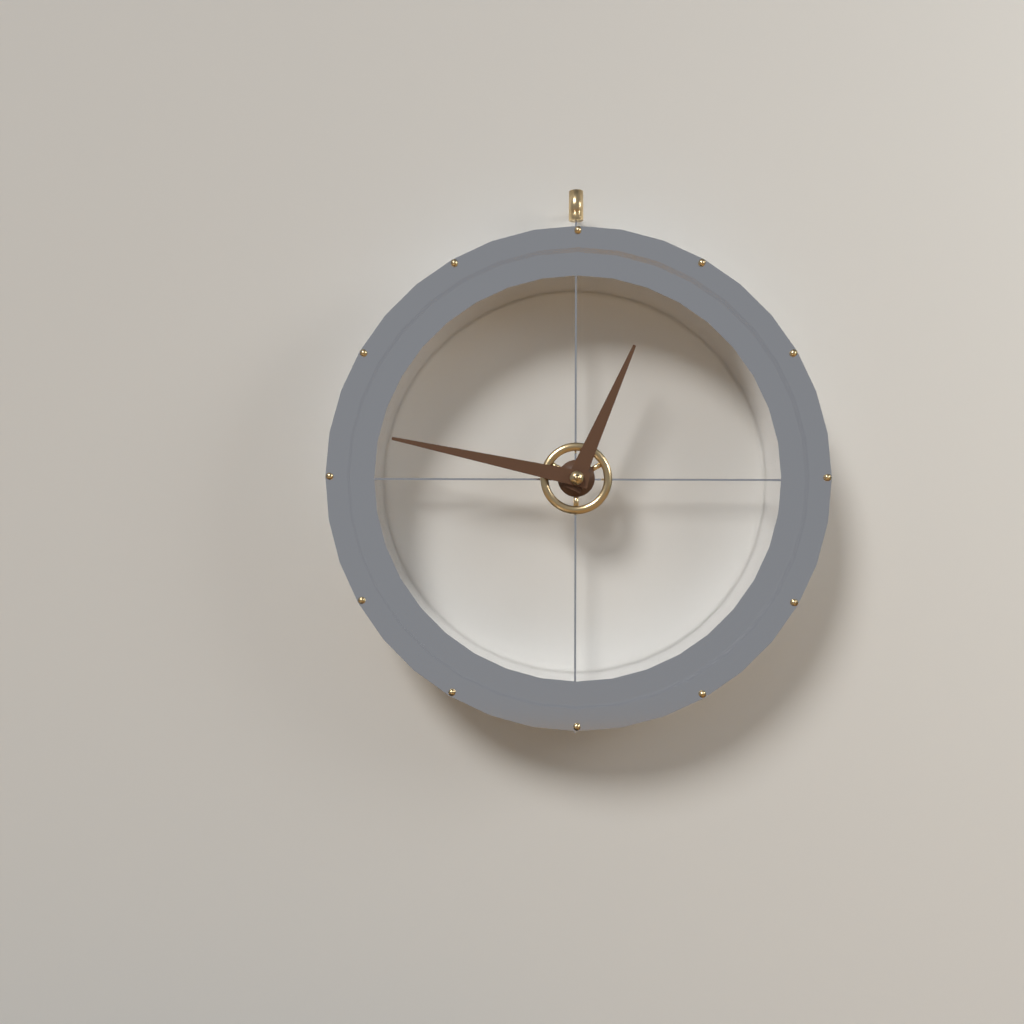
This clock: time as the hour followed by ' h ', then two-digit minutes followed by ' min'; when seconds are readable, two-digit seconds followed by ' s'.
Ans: 12 h 47 min
